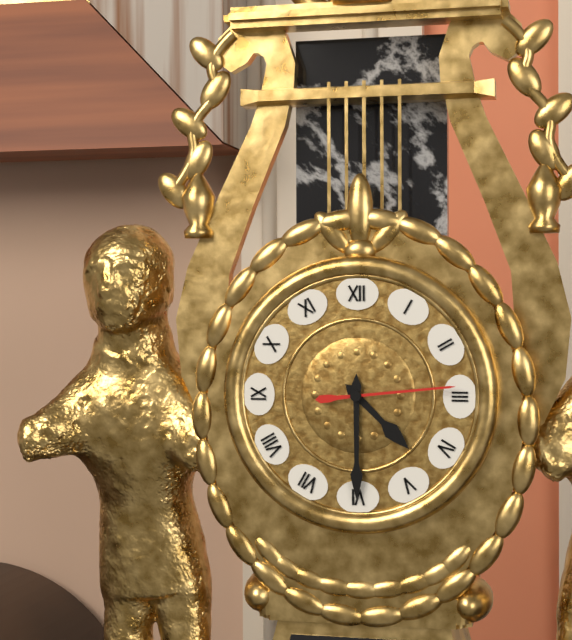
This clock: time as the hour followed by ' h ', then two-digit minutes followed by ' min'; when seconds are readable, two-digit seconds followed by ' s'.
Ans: 4 h 30 min 14 s
